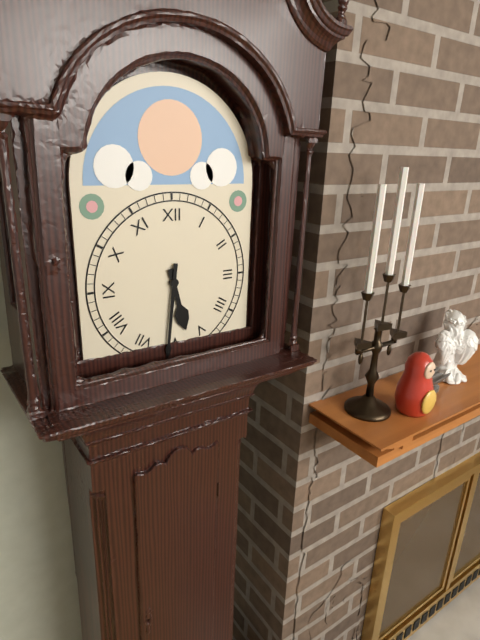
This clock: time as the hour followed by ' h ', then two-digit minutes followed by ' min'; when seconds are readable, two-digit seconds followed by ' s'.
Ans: 5 h 31 min
